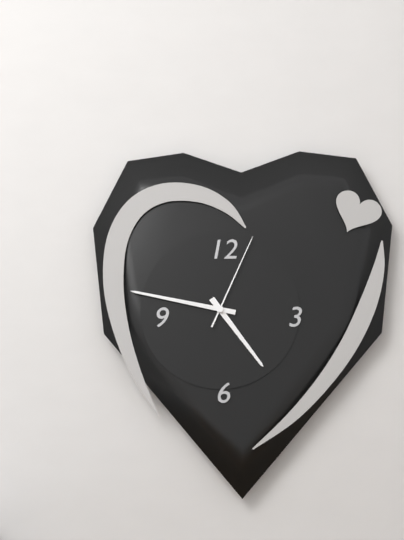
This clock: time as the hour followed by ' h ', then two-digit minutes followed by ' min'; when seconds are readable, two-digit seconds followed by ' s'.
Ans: 4 h 47 min 04 s
